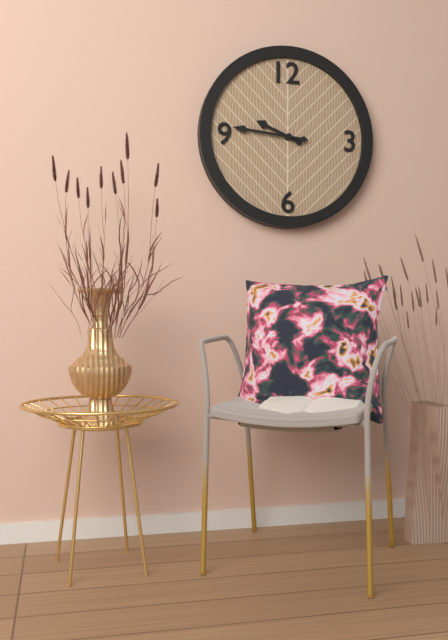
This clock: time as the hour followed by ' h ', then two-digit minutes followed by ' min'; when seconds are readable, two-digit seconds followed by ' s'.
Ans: 9 h 46 min
